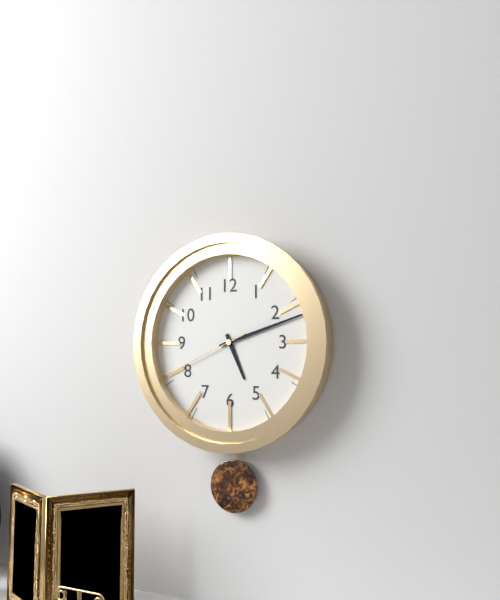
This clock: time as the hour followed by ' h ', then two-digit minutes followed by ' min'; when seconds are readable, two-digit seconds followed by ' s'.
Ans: 5 h 12 min 41 s
